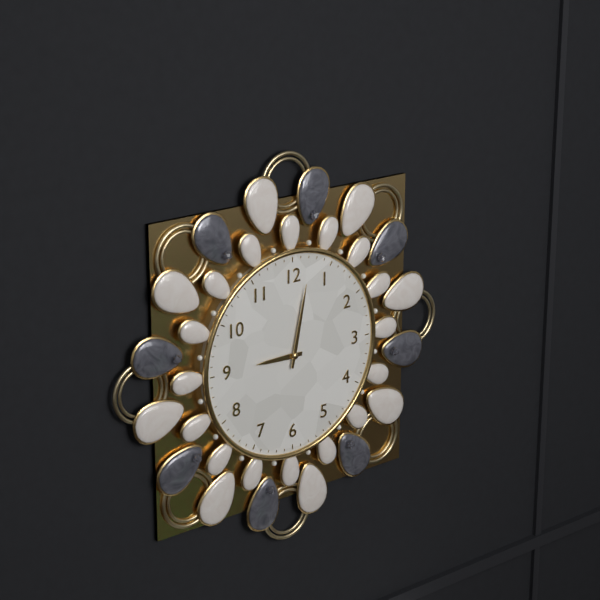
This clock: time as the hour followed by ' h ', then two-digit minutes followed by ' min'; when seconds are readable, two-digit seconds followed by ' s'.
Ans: 9 h 02 min
